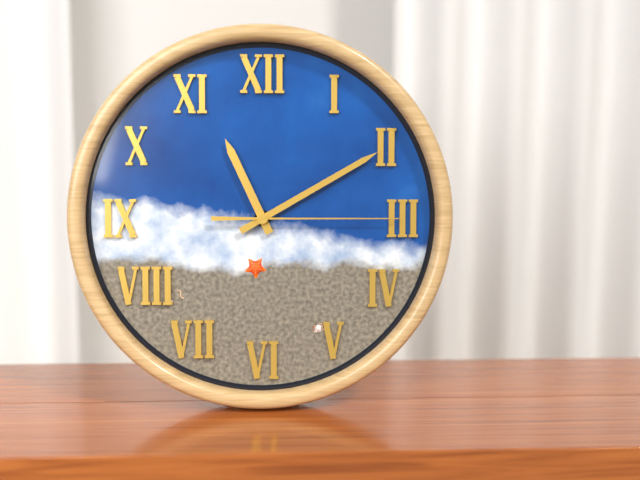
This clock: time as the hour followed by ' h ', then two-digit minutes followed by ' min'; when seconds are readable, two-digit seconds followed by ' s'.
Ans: 11 h 10 min 15 s
